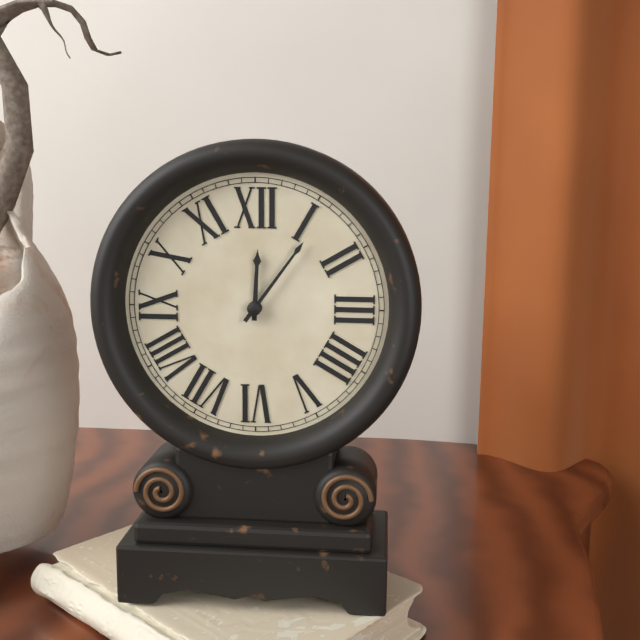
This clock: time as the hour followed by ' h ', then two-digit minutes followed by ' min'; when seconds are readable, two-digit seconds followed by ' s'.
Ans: 12 h 06 min
